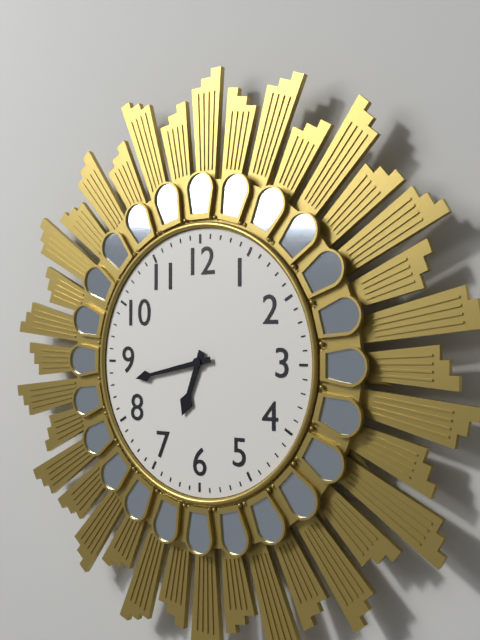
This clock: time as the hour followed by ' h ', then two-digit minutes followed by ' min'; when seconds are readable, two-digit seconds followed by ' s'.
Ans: 6 h 43 min
